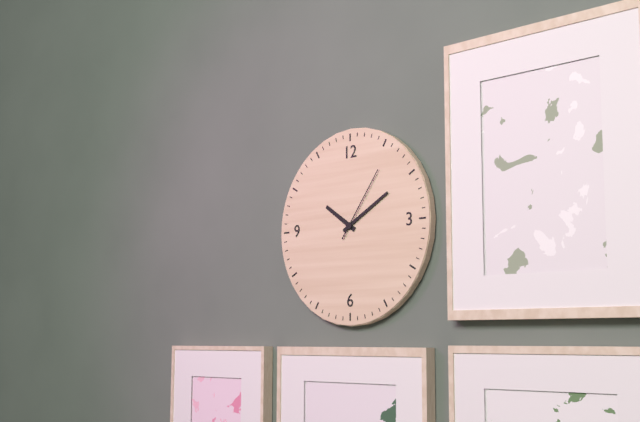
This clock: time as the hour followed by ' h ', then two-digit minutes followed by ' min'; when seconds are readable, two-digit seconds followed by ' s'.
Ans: 10 h 10 min 06 s
